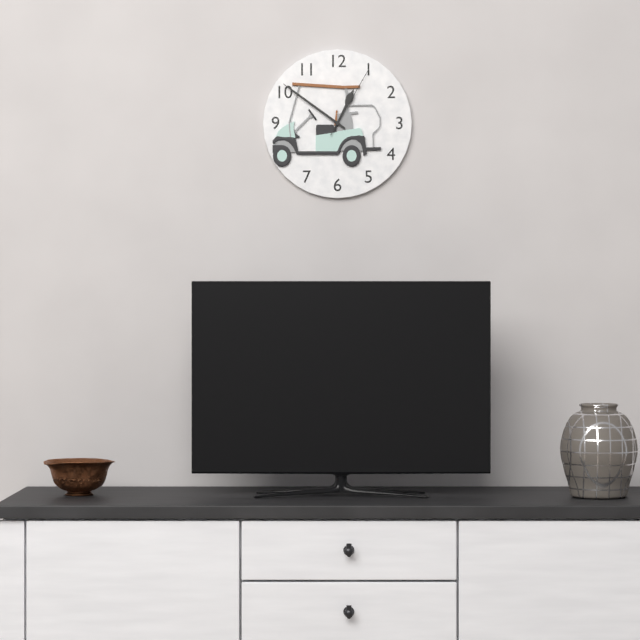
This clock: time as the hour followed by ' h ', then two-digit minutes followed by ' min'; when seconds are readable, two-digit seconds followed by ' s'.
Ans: 12 h 51 min 05 s
